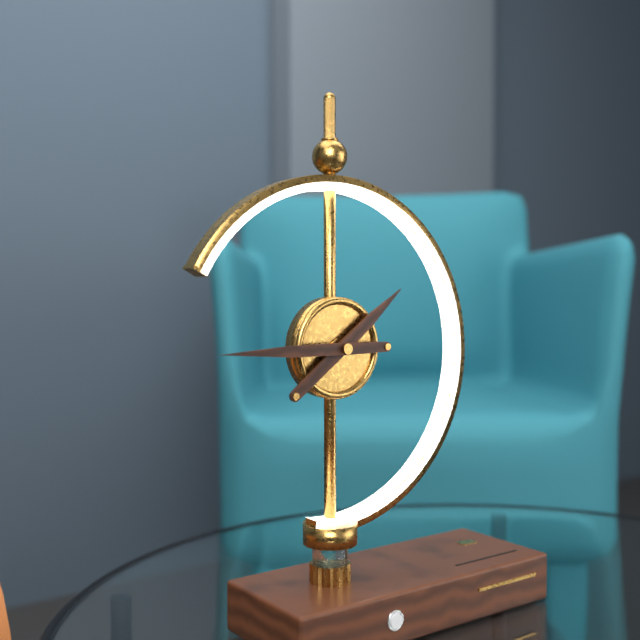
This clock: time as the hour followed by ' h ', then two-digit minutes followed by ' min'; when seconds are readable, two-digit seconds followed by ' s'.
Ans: 1 h 45 min
